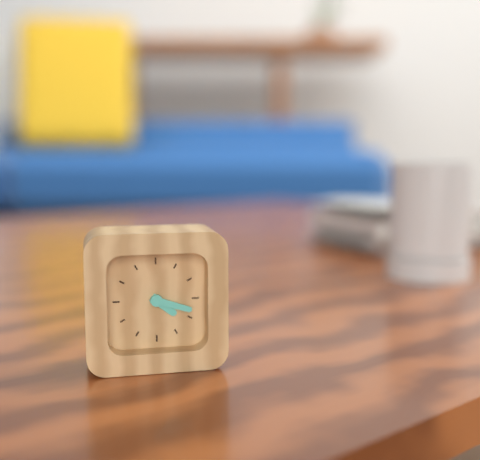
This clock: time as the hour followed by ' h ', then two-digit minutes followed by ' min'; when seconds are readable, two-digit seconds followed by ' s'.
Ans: 4 h 18 min
